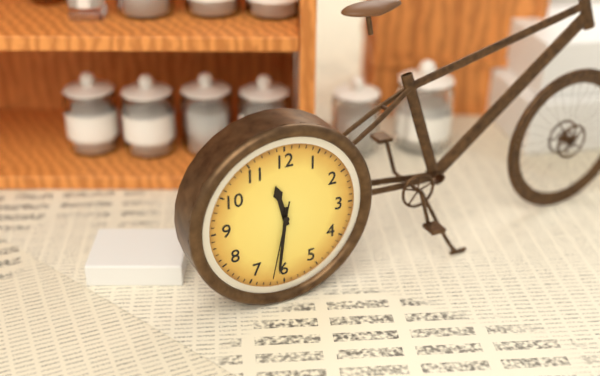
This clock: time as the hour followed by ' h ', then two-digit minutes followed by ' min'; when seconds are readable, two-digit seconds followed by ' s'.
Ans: 11 h 31 min 32 s
